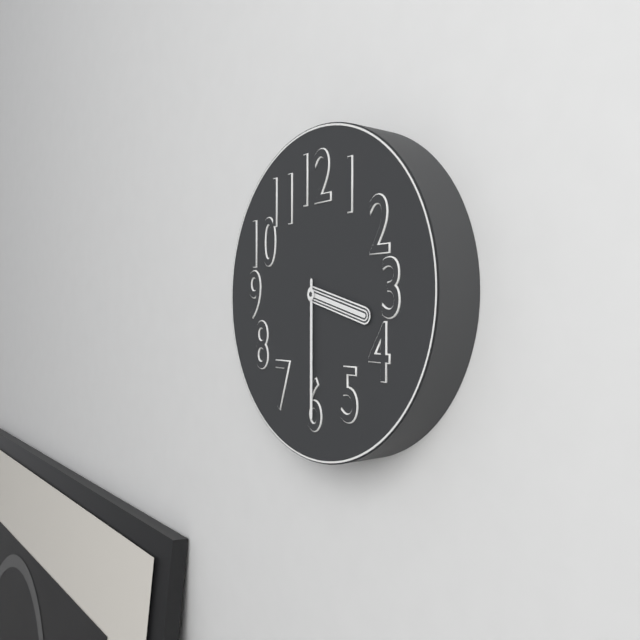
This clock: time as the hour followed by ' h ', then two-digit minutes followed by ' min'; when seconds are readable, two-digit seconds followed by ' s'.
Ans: 3 h 30 min
